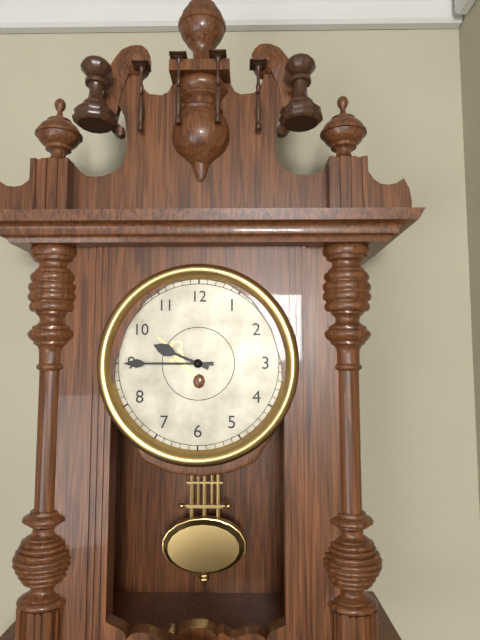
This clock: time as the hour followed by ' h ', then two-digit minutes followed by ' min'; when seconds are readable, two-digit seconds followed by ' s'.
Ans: 9 h 45 min
